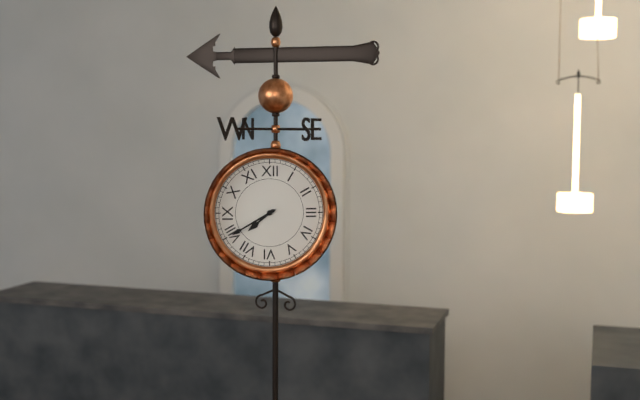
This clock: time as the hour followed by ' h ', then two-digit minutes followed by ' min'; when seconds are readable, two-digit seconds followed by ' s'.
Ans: 7 h 40 min
